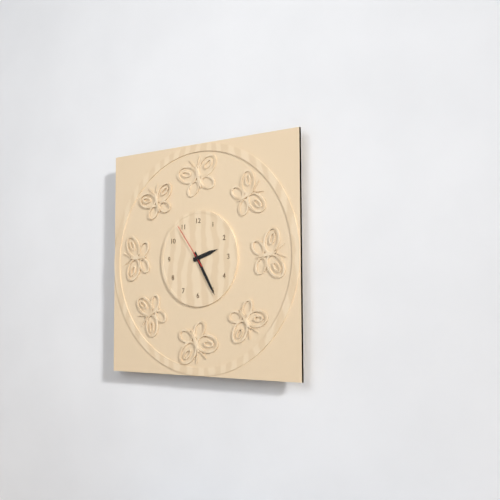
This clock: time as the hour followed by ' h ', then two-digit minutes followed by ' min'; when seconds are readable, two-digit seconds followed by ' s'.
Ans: 2 h 25 min
